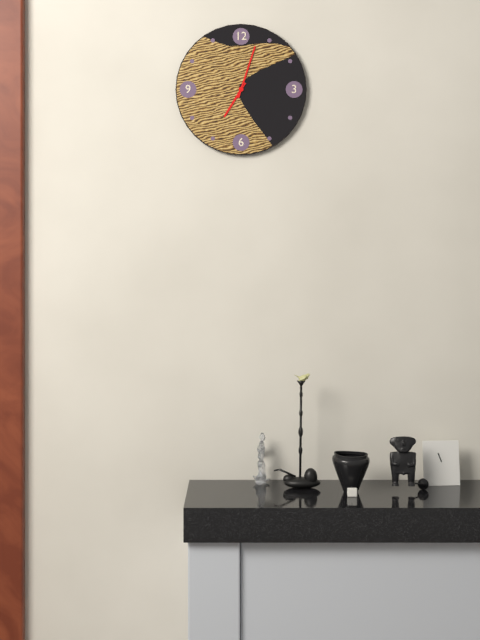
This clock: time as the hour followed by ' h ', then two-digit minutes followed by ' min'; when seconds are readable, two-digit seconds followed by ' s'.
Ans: 7 h 03 min
